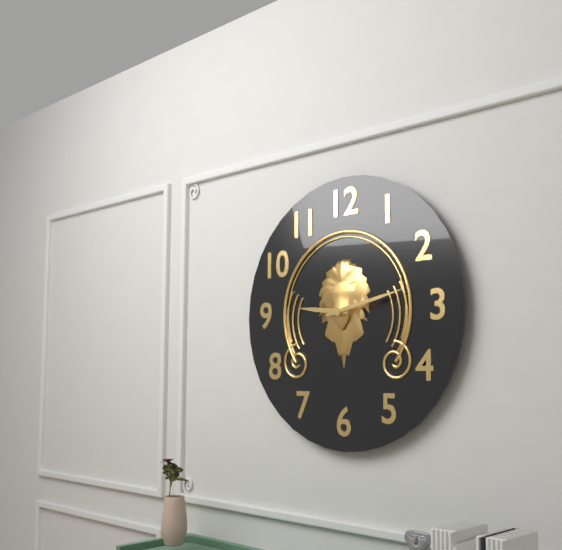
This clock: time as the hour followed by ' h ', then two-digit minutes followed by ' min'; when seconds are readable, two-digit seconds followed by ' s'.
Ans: 9 h 13 min
